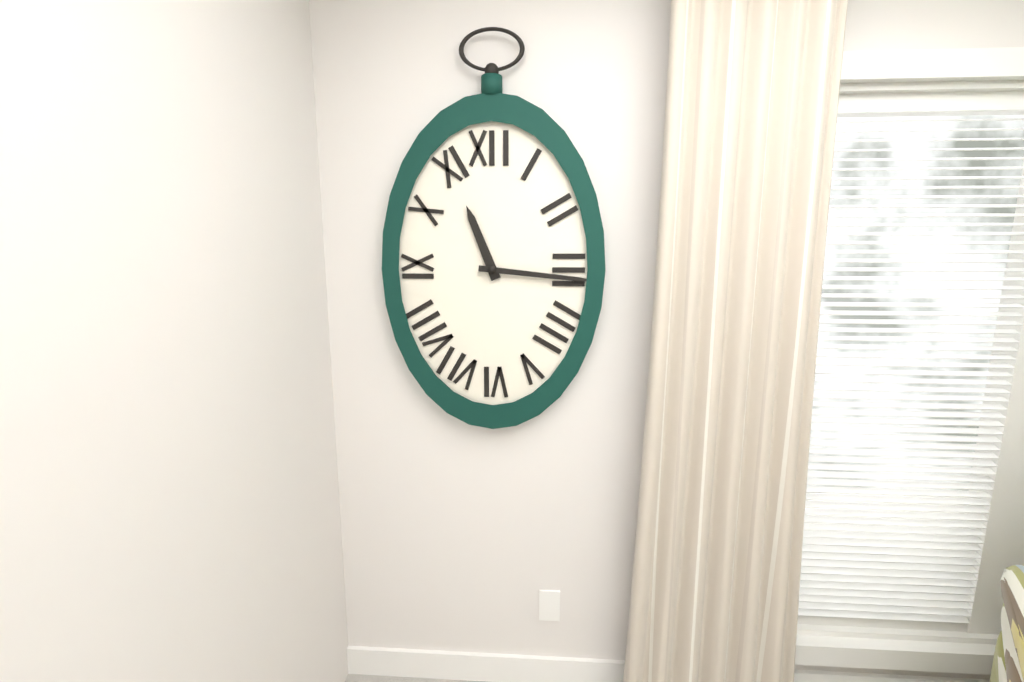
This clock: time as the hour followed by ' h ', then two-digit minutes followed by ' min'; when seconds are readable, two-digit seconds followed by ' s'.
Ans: 11 h 16 min
